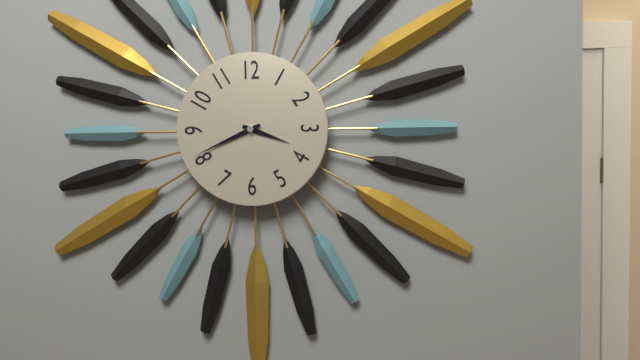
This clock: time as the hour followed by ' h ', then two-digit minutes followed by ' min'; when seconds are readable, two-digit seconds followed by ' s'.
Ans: 3 h 41 min
